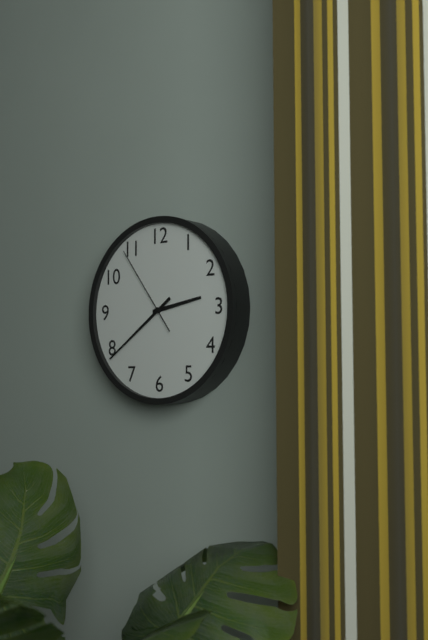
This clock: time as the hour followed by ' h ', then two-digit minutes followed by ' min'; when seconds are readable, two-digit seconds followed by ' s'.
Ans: 2 h 39 min 54 s
